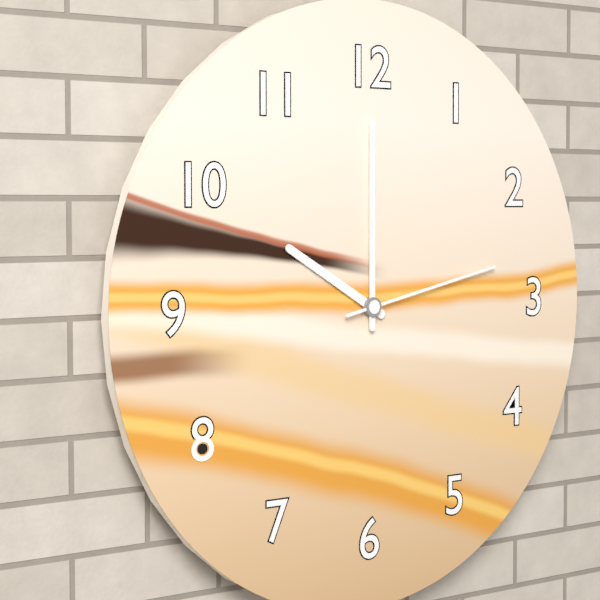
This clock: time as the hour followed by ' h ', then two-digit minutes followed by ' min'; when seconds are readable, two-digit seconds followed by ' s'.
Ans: 10 h 00 min 13 s
